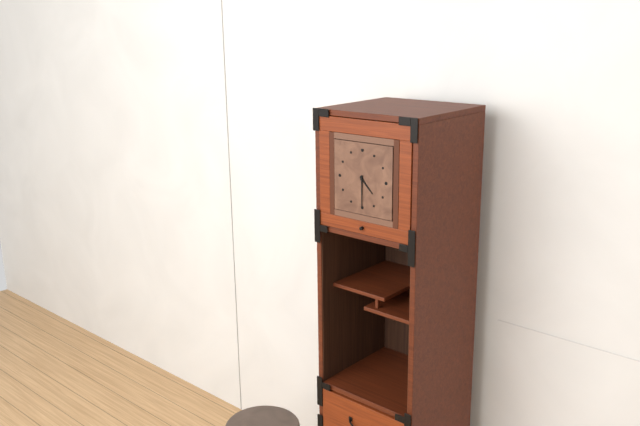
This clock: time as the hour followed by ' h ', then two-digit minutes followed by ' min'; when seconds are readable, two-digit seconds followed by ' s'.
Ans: 4 h 30 min
